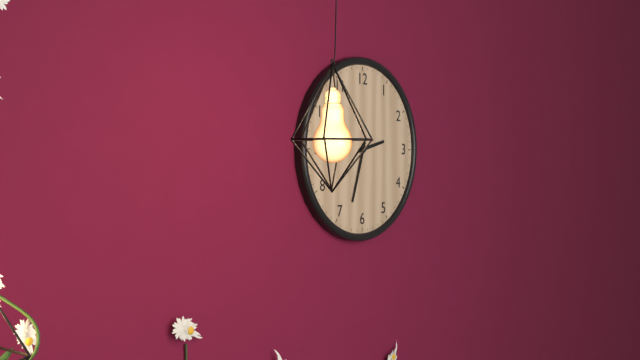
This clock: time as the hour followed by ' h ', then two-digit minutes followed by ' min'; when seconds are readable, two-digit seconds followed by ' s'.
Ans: 2 h 33 min
